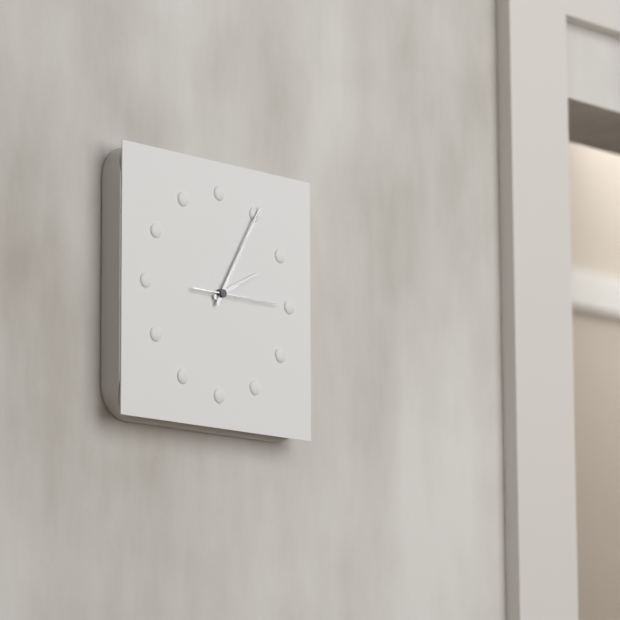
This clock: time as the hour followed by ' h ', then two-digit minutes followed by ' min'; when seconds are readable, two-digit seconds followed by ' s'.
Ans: 2 h 05 min 15 s
